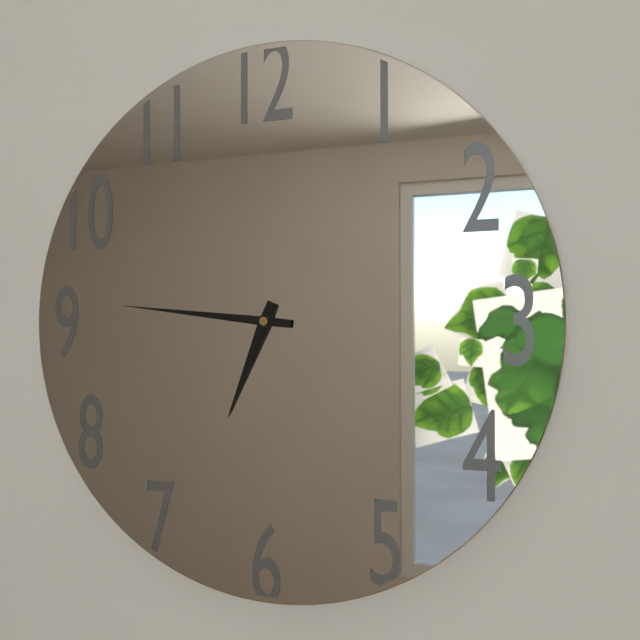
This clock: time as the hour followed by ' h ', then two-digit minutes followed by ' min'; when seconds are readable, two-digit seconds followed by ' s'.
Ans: 6 h 46 min
